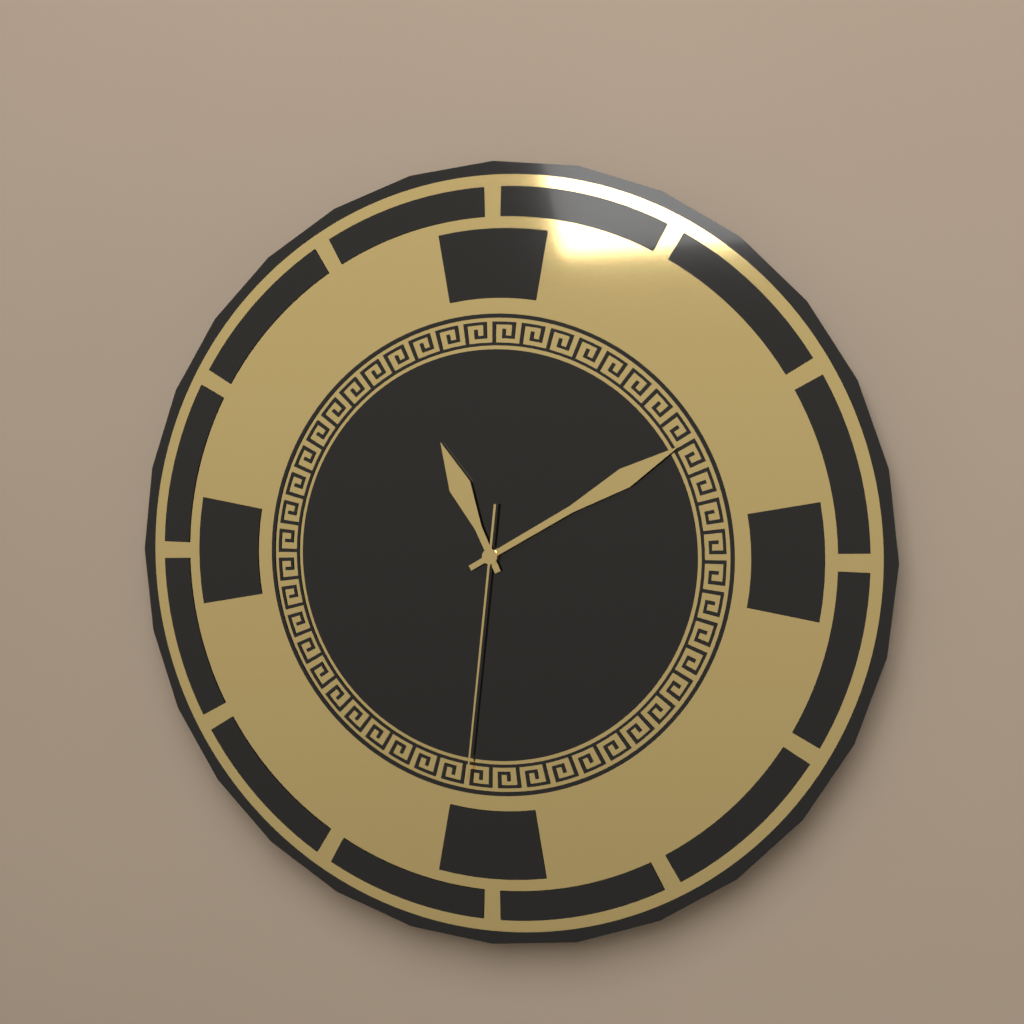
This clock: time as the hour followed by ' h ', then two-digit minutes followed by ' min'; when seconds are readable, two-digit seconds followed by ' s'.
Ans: 11 h 10 min 31 s
